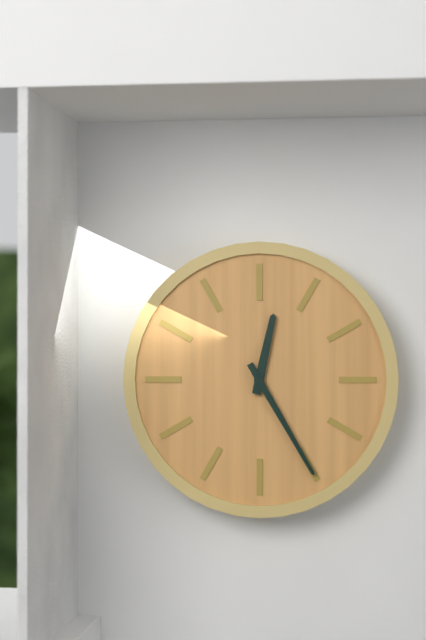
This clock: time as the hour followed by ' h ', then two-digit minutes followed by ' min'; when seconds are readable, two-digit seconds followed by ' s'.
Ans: 12 h 25 min
